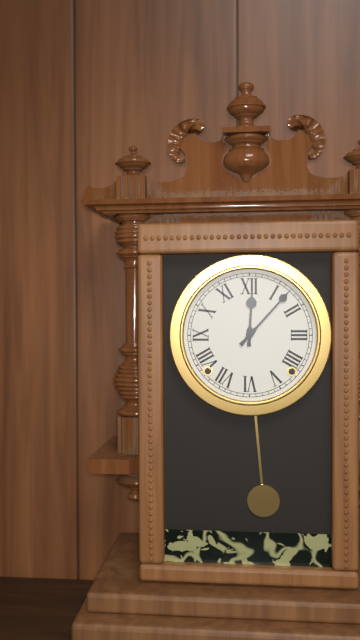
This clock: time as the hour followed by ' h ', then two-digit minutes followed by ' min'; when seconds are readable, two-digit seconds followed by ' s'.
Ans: 12 h 07 min
